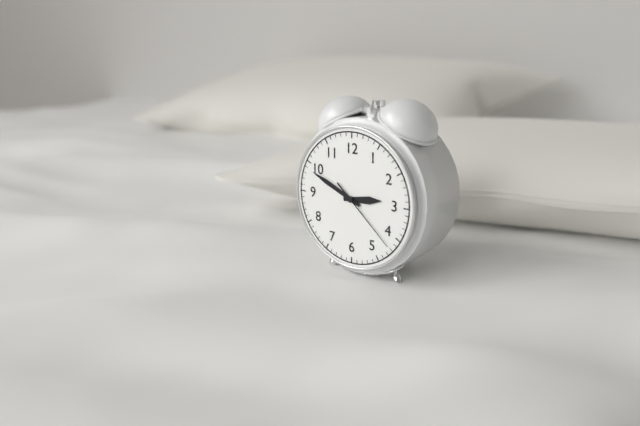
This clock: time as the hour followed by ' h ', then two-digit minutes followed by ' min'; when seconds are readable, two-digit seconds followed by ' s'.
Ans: 2 h 49 min 22 s
